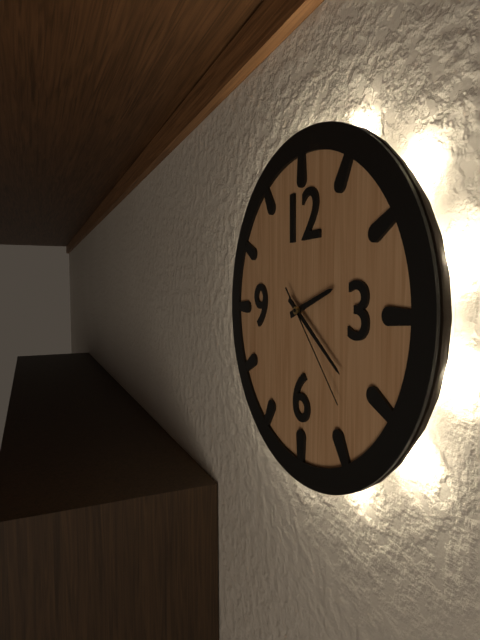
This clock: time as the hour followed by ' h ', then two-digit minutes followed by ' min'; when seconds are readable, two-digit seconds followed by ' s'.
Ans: 2 h 21 min 23 s
